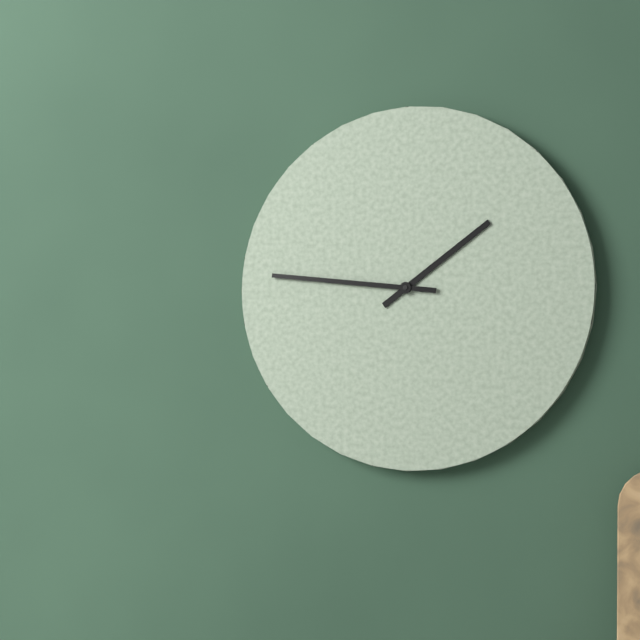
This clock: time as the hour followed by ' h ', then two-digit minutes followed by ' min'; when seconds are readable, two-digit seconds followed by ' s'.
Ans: 1 h 46 min
